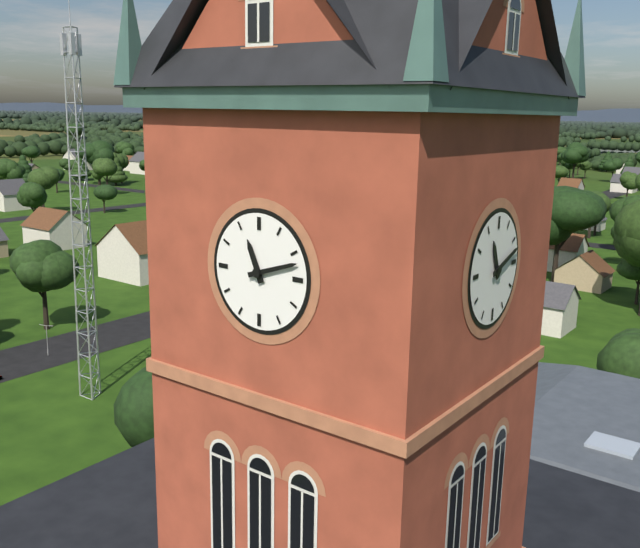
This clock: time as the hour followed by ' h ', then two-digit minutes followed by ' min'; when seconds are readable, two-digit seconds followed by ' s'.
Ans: 11 h 12 min
